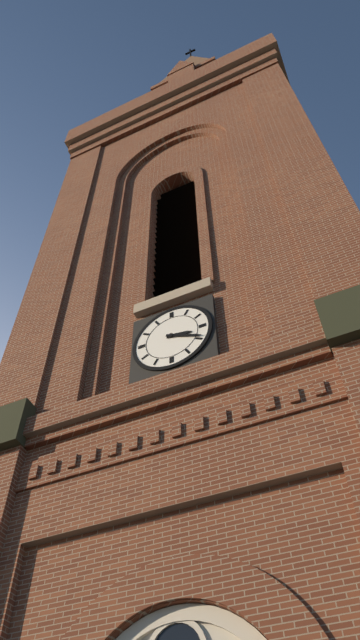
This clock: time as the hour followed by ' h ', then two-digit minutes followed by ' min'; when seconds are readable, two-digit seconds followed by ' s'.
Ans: 3 h 19 min
